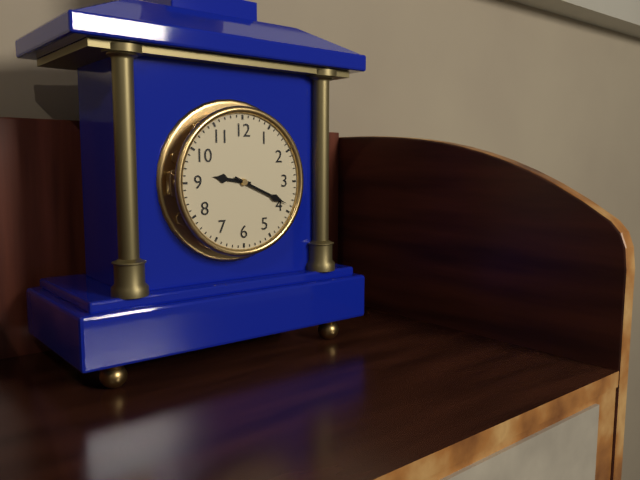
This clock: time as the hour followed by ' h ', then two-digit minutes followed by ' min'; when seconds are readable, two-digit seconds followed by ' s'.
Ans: 9 h 19 min
